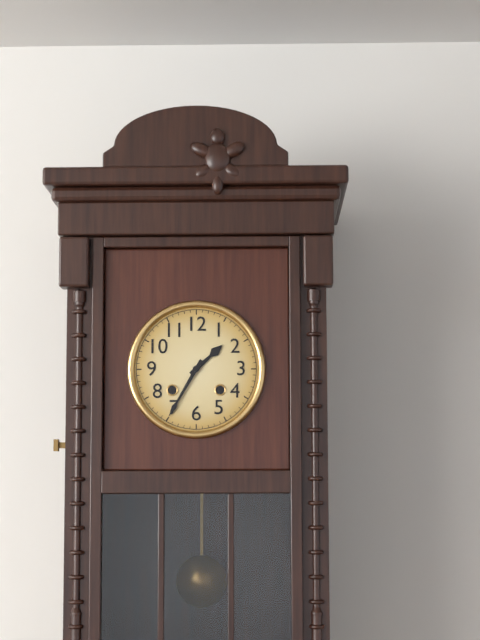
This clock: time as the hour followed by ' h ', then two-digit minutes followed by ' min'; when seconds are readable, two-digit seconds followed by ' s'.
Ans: 1 h 35 min
